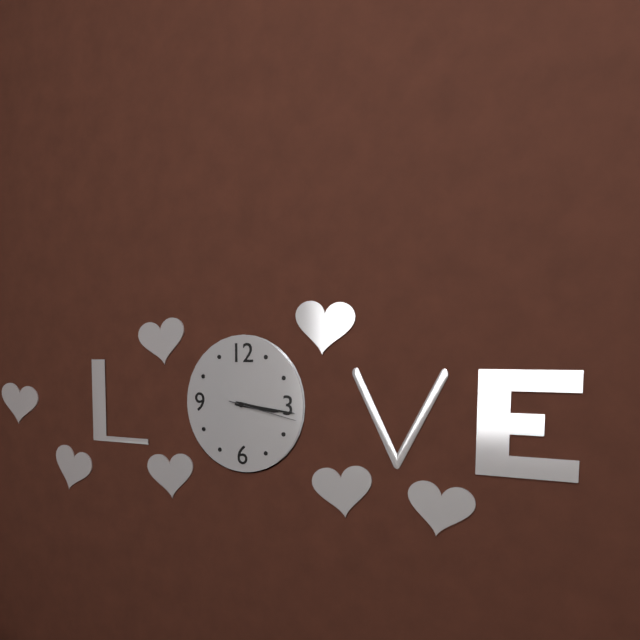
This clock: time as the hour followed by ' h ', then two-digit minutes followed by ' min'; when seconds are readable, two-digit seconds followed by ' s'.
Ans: 3 h 16 min 17 s
